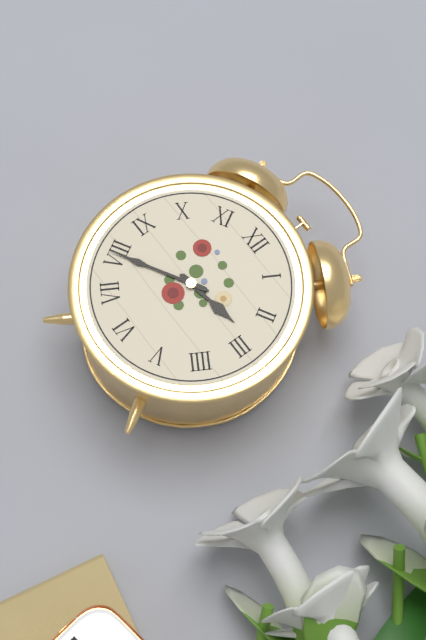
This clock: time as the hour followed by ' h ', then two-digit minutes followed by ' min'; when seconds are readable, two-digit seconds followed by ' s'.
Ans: 2 h 40 min
